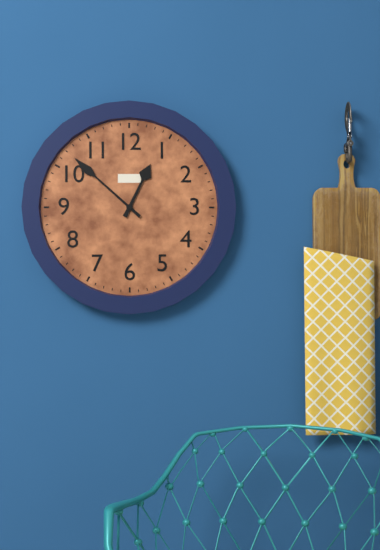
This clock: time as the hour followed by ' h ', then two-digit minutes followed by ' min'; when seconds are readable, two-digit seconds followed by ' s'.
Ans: 12 h 52 min
